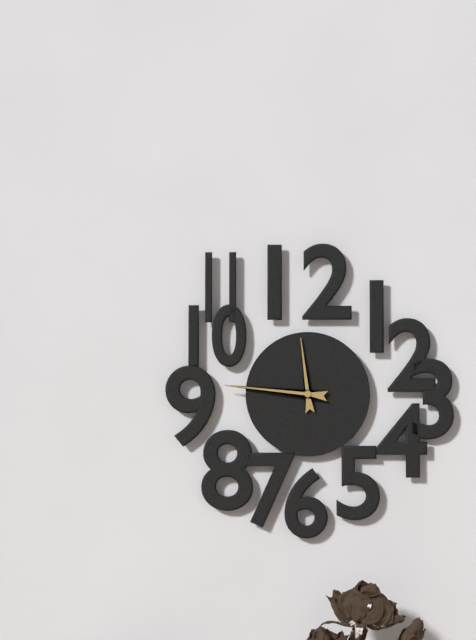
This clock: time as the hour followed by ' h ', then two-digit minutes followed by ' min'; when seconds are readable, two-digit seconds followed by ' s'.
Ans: 11 h 46 min
